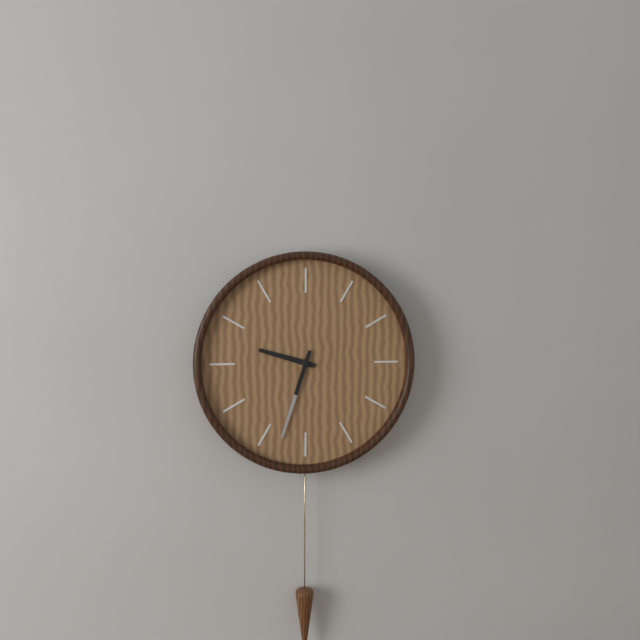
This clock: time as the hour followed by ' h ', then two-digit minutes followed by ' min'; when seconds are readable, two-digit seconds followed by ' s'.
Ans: 9 h 33 min
